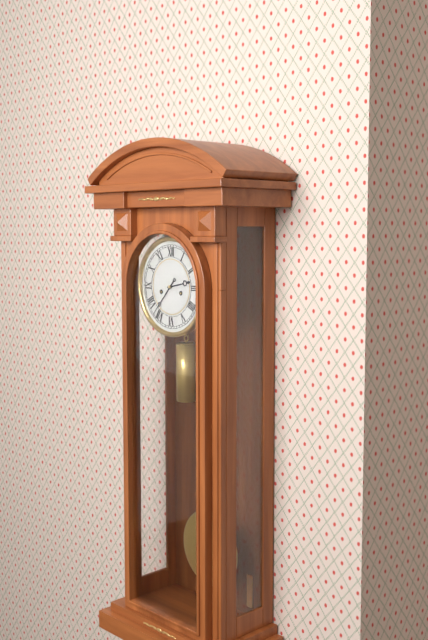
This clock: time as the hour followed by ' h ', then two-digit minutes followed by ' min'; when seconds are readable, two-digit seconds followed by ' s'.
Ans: 2 h 37 min
